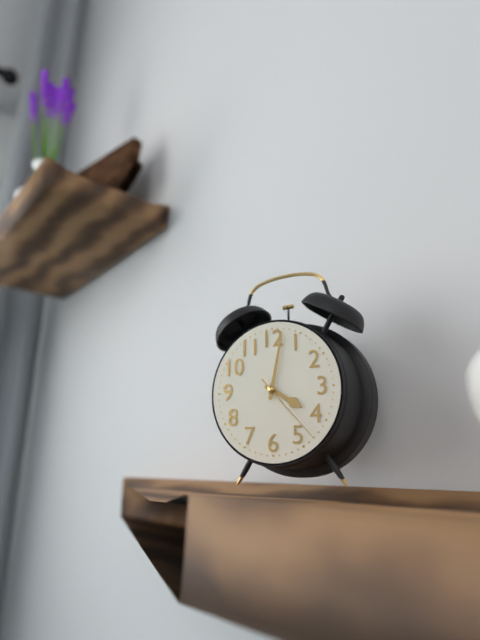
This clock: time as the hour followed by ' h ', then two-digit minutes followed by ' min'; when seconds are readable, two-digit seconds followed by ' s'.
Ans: 4 h 02 min 23 s
